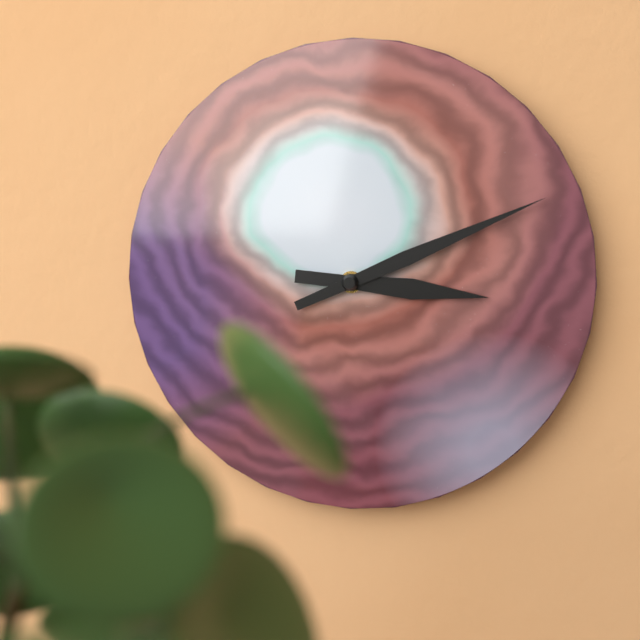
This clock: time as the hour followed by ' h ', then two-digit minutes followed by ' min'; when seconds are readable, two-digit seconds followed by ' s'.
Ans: 3 h 11 min
